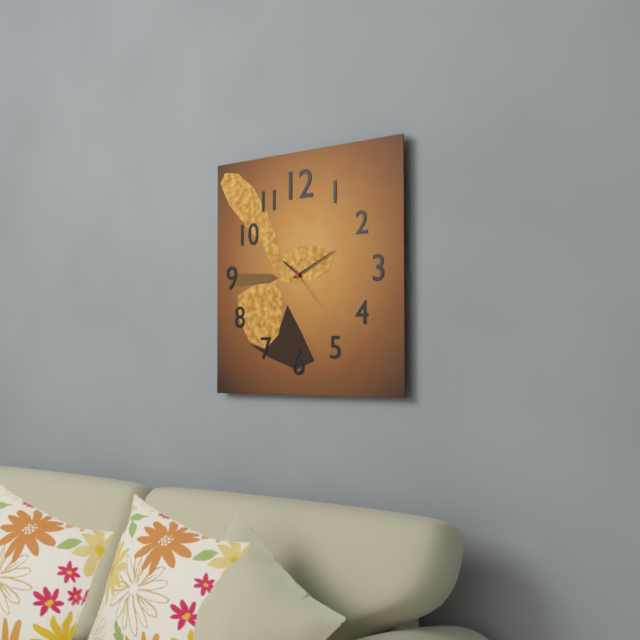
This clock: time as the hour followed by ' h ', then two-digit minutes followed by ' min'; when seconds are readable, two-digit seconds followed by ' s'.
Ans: 10 h 11 min 23 s
